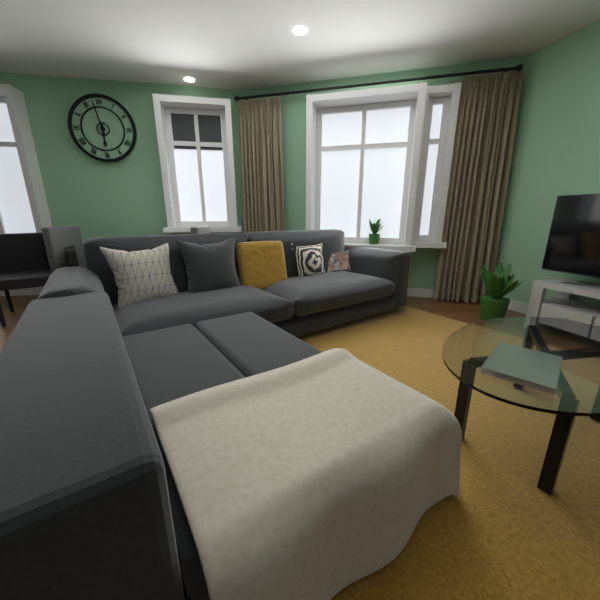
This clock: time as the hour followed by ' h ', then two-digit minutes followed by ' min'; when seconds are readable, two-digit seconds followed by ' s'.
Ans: 5 h 58 min
